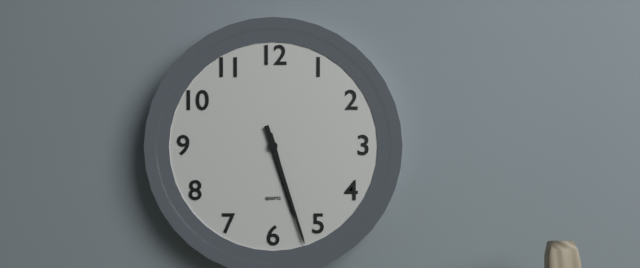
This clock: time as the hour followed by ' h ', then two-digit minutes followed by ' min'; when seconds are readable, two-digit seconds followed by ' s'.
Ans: 5 h 27 min
